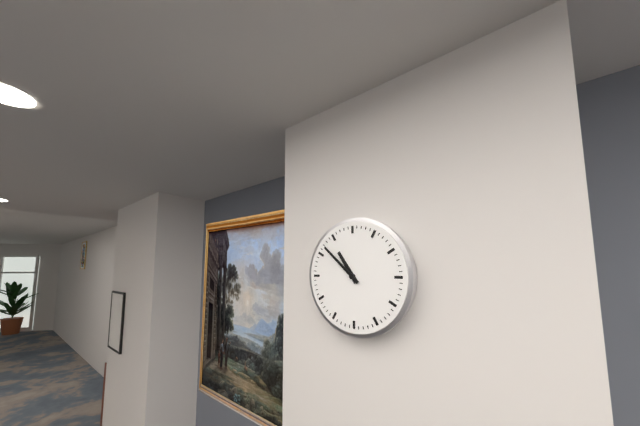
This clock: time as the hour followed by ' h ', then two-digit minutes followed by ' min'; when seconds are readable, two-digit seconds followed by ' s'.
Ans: 10 h 52 min
